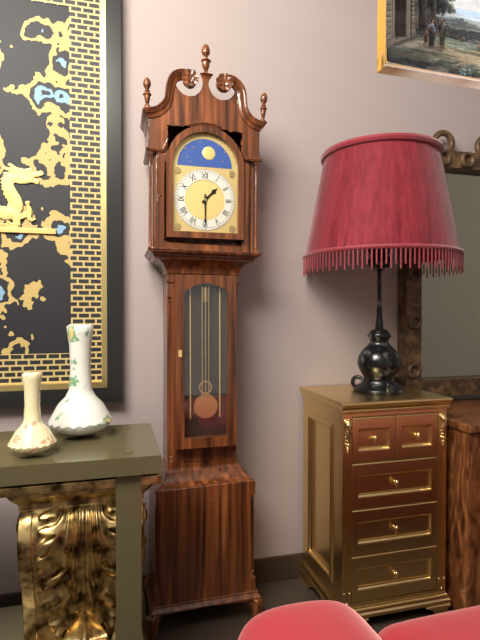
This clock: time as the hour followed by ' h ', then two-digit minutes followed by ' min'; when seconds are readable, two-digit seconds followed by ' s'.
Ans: 1 h 30 min
